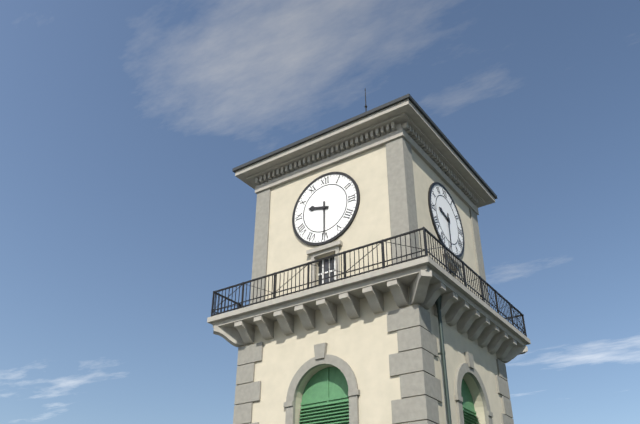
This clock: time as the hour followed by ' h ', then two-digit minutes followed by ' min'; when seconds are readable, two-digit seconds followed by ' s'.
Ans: 9 h 30 min
